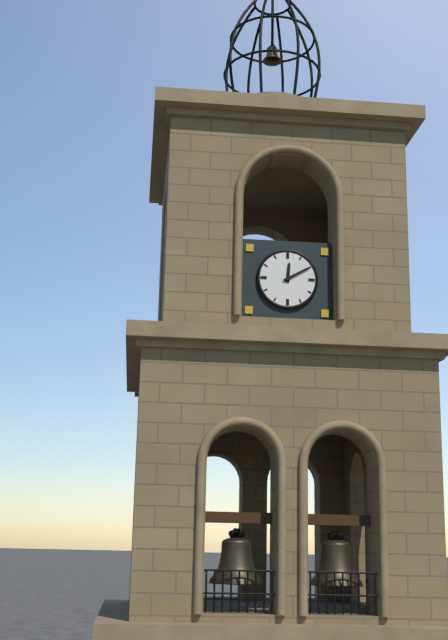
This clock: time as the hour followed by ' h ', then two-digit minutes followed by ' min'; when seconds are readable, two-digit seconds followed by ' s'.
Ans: 12 h 10 min
